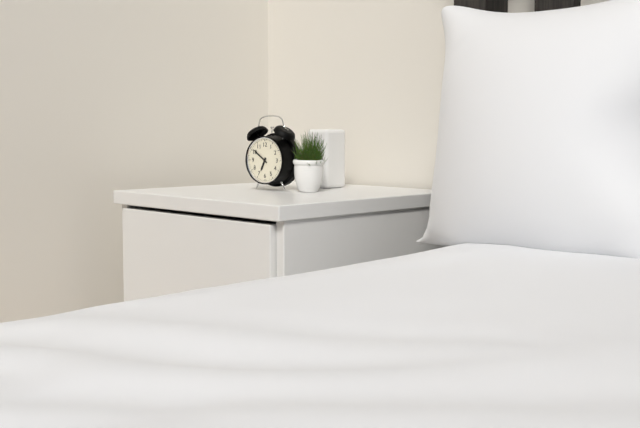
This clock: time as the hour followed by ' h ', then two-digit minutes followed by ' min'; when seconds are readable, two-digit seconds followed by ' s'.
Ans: 6 h 51 min
